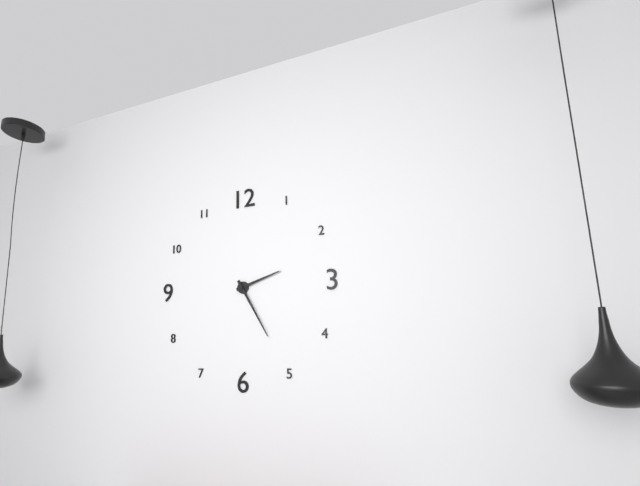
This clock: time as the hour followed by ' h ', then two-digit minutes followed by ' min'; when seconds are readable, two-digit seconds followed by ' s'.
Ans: 2 h 25 min
